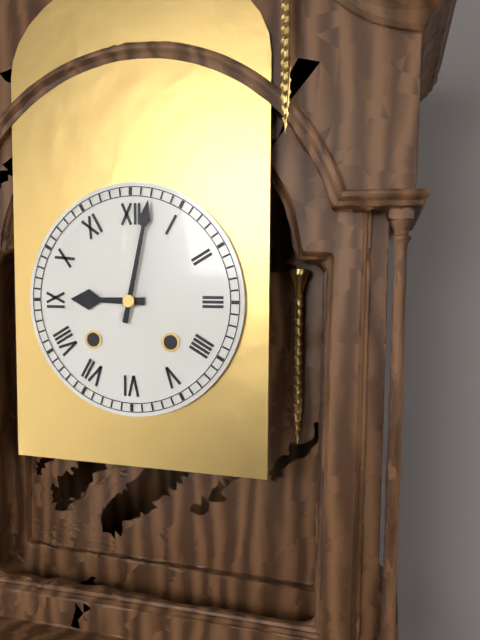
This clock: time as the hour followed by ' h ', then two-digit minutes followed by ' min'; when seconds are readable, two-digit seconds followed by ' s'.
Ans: 9 h 02 min
